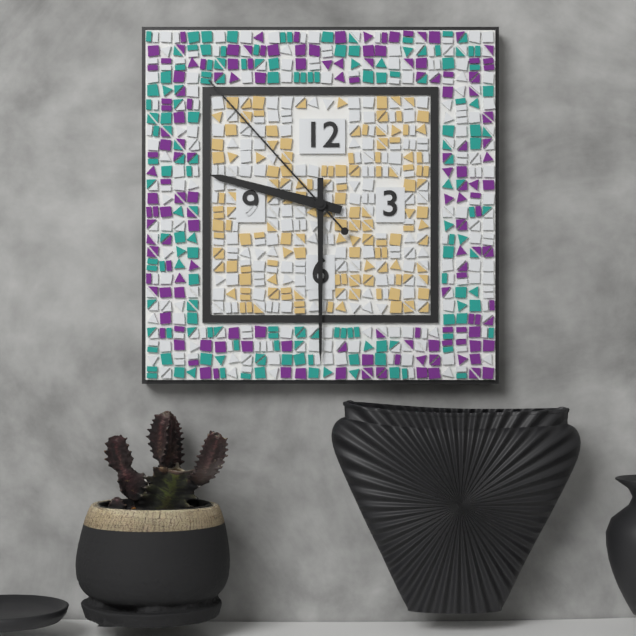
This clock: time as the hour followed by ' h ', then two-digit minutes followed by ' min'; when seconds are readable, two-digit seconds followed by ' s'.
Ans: 9 h 30 min 53 s
